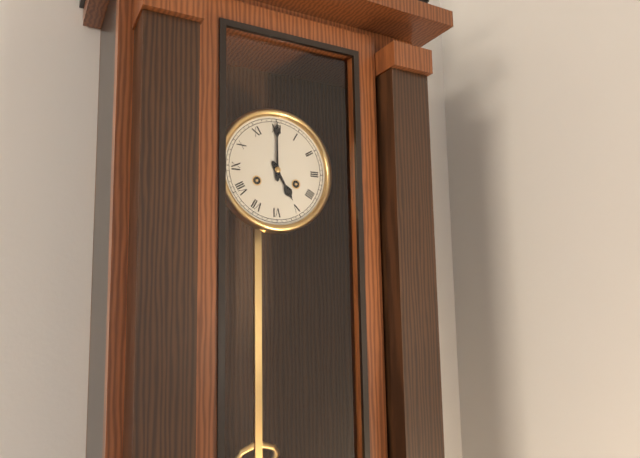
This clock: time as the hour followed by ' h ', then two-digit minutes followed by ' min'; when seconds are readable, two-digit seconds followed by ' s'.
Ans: 5 h 00 min
